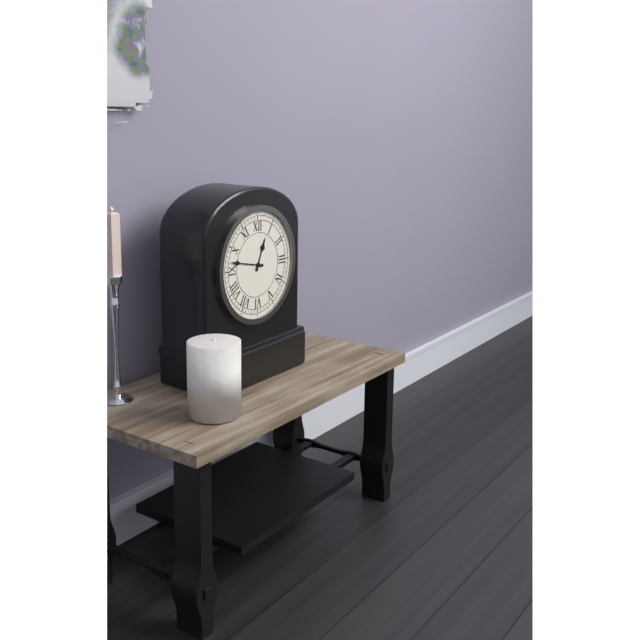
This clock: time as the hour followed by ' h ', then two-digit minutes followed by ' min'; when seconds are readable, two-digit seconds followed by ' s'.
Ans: 12 h 47 min
